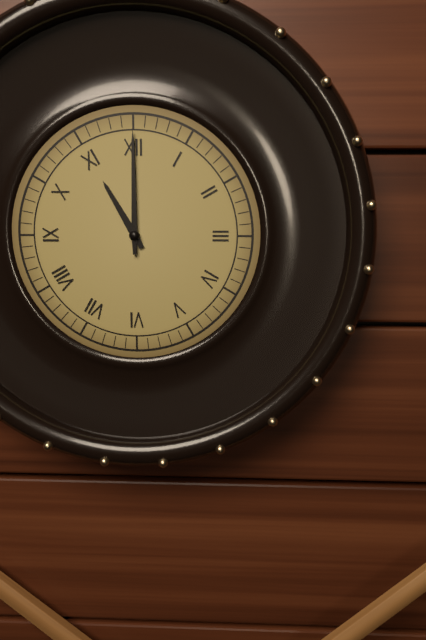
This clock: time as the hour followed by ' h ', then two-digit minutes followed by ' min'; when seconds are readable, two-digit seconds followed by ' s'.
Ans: 11 h 00 min
